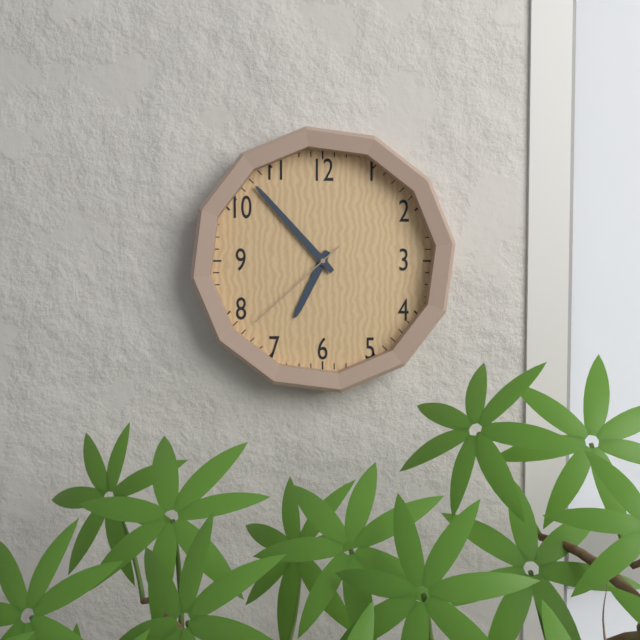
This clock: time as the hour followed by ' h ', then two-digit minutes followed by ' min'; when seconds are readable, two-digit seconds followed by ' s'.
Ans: 6 h 53 min 38 s
